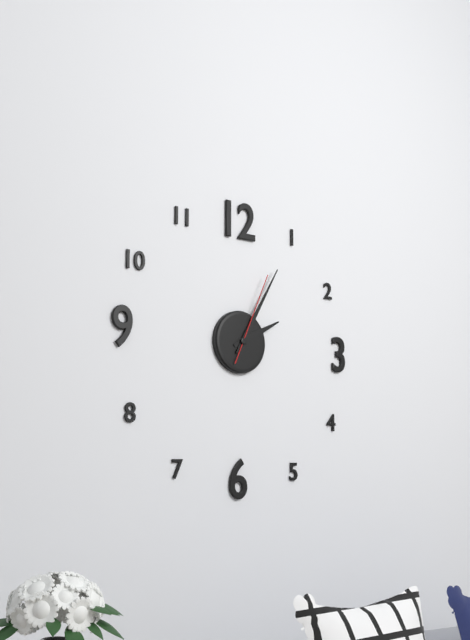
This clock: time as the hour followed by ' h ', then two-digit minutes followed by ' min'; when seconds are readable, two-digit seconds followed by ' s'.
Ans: 2 h 05 min 04 s
